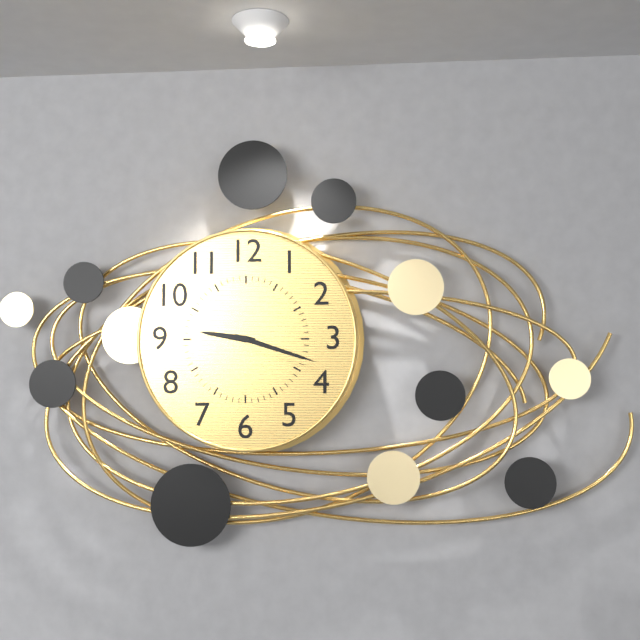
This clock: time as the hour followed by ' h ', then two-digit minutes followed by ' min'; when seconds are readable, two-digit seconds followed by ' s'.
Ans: 9 h 18 min
